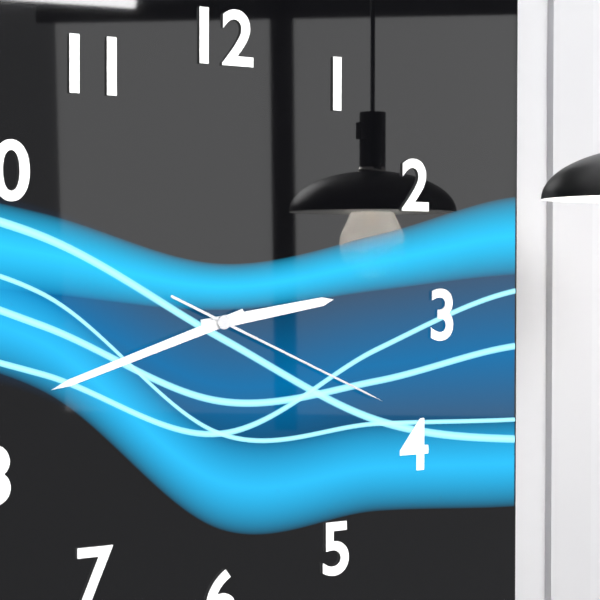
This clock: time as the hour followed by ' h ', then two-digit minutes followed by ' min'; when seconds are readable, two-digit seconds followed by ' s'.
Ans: 2 h 42 min 19 s
